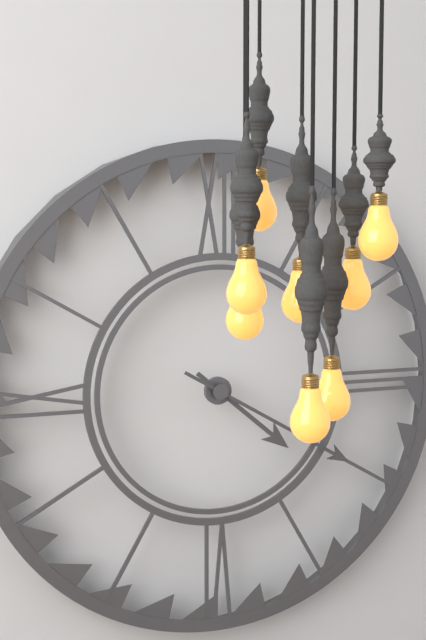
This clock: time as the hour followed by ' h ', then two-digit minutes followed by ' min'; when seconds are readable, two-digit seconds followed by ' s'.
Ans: 4 h 20 min
